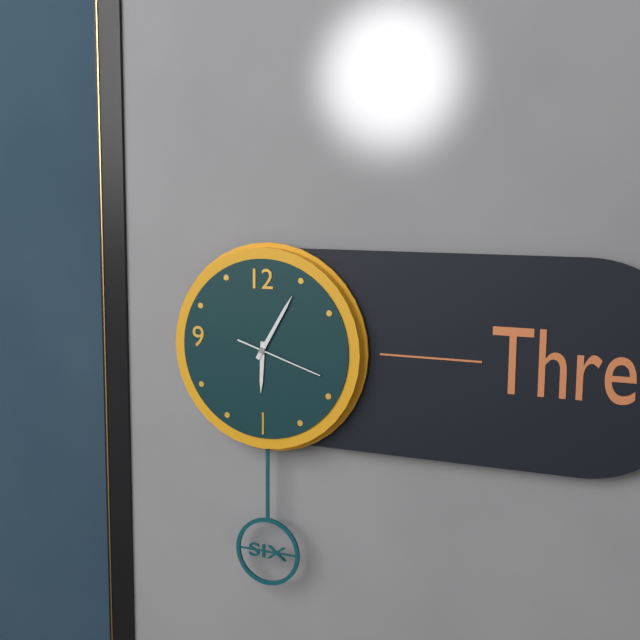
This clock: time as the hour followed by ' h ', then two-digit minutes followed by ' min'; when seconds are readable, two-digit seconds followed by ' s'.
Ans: 6 h 05 min 18 s
